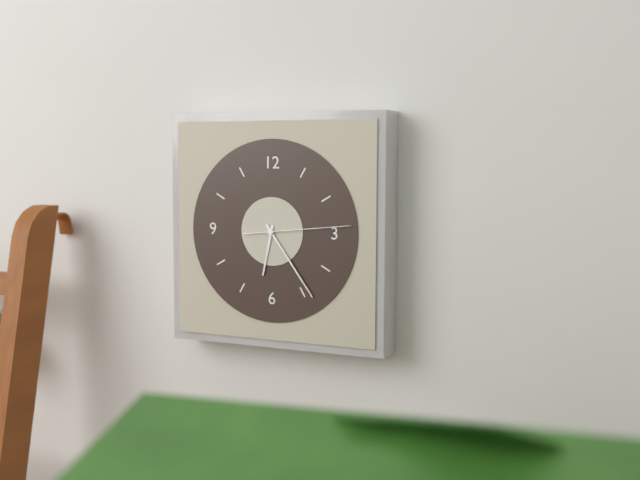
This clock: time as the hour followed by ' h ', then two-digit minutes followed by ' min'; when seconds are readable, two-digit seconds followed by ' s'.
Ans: 6 h 24 min 14 s
